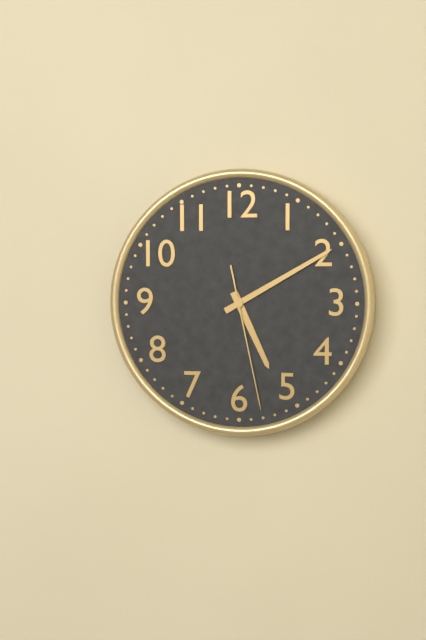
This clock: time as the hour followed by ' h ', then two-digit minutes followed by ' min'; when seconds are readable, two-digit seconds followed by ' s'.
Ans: 5 h 10 min 28 s
